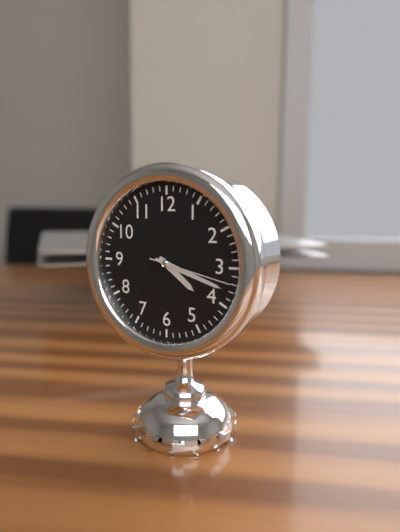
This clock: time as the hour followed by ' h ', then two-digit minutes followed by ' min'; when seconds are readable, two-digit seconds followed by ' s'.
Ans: 4 h 18 min 17 s
